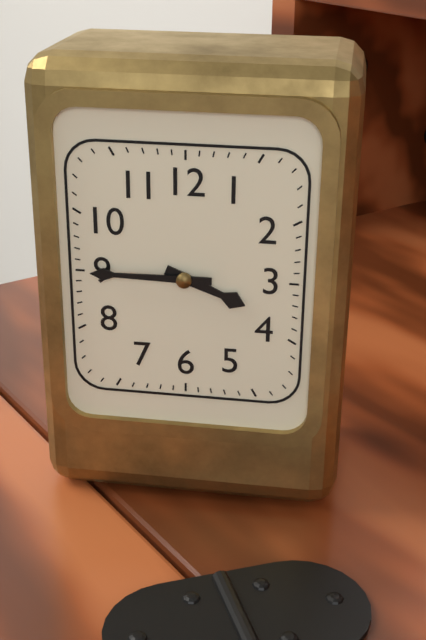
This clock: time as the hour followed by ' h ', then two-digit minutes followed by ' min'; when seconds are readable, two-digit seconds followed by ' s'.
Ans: 3 h 45 min
